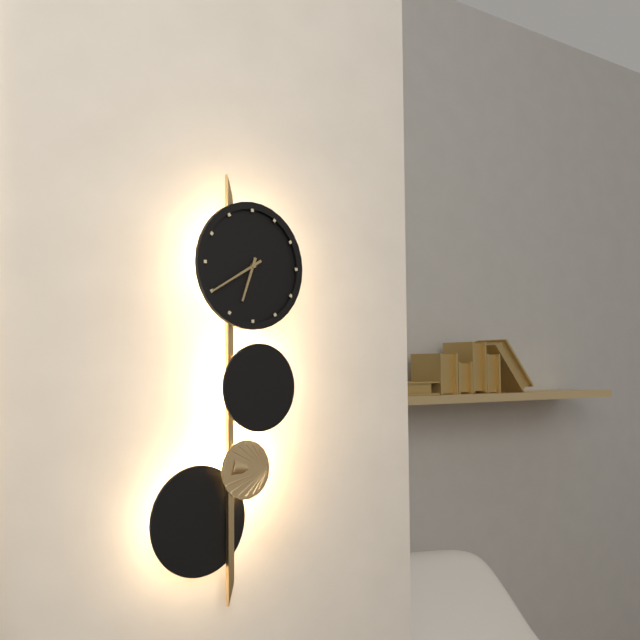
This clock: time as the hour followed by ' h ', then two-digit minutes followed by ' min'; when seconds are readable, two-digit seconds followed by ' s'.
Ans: 6 h 40 min
